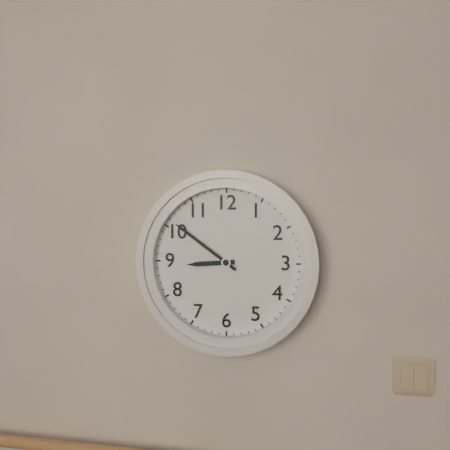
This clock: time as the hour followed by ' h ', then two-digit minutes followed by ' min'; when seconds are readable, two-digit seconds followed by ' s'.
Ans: 8 h 51 min
